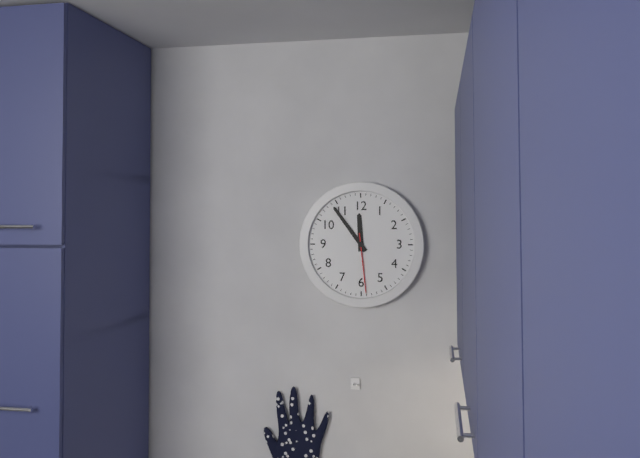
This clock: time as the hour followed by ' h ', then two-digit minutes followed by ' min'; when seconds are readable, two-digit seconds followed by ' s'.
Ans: 11 h 54 min 29 s
